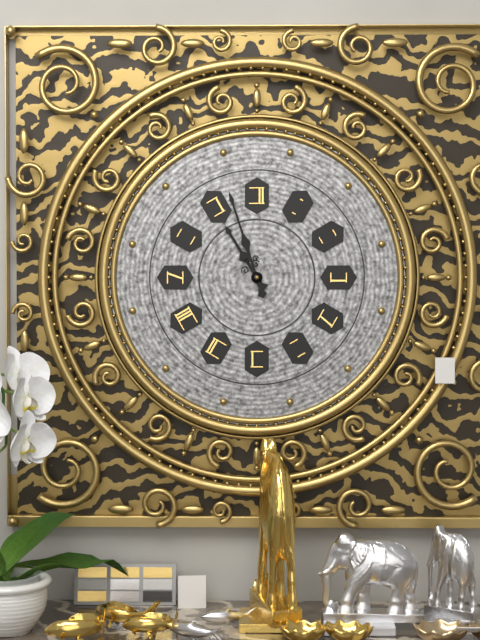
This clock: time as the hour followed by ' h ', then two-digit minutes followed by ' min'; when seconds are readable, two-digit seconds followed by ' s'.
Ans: 10 h 57 min
